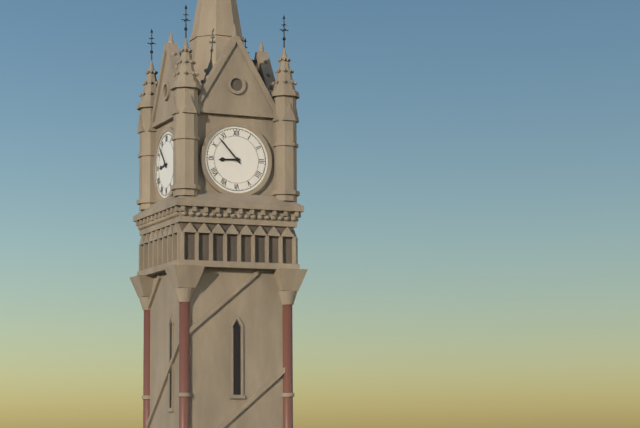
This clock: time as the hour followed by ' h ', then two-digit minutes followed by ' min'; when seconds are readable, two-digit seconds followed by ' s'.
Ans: 8 h 53 min
